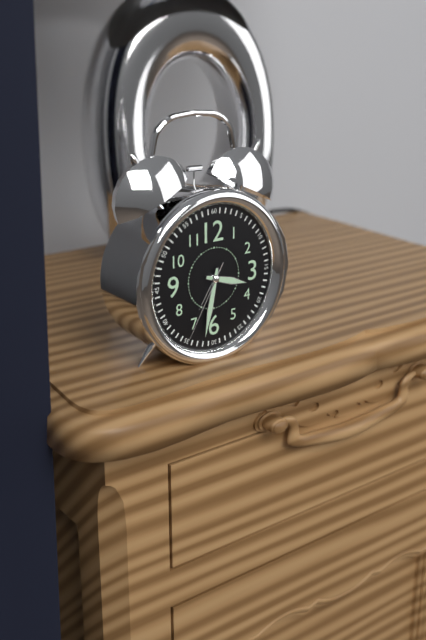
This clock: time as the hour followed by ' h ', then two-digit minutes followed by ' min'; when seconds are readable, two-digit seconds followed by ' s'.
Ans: 3 h 32 min 35 s
